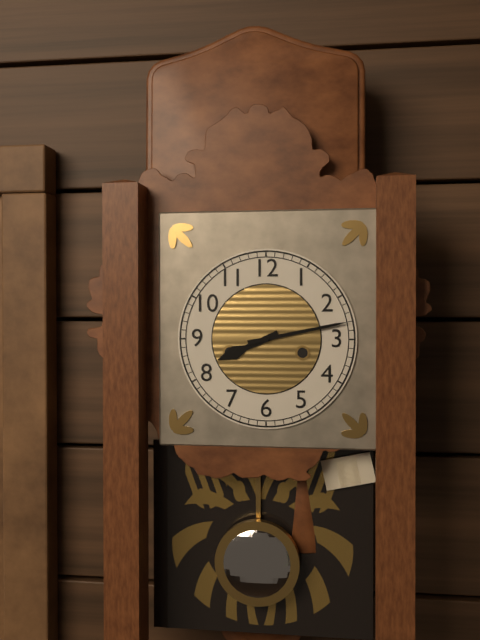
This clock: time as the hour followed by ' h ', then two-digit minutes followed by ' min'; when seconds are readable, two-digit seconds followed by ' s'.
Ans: 8 h 13 min
